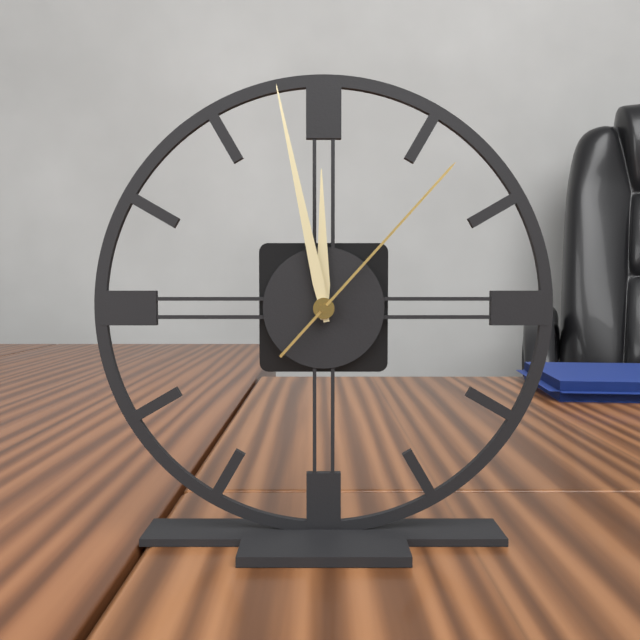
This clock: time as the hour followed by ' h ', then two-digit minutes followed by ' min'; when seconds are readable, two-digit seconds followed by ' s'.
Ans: 11 h 58 min 07 s
